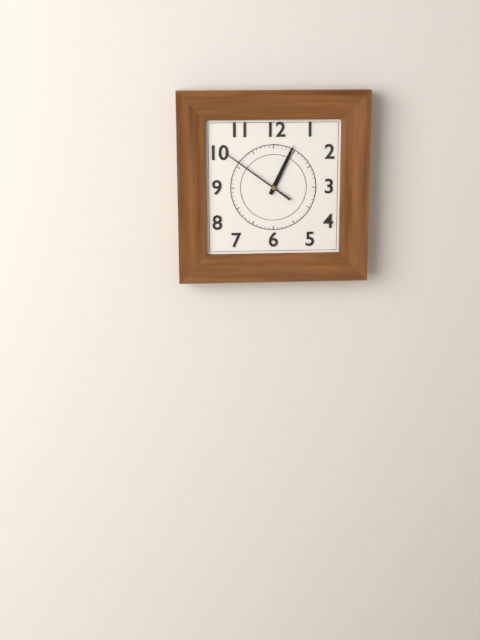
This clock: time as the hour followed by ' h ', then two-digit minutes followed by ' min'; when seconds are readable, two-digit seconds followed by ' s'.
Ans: 12 h 51 min
